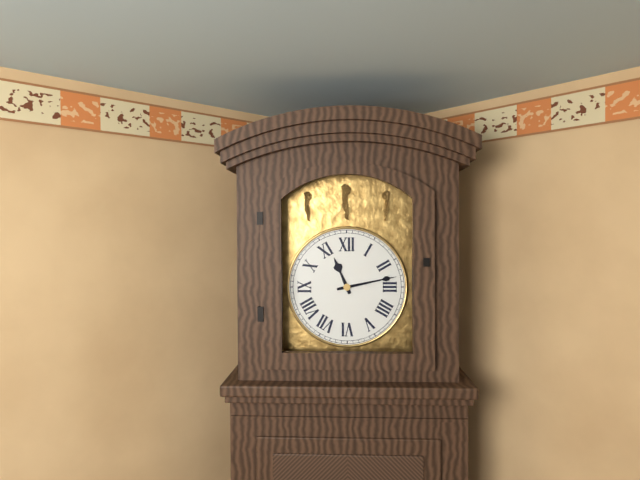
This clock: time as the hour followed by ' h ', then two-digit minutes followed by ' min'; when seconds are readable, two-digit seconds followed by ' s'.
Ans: 11 h 13 min
